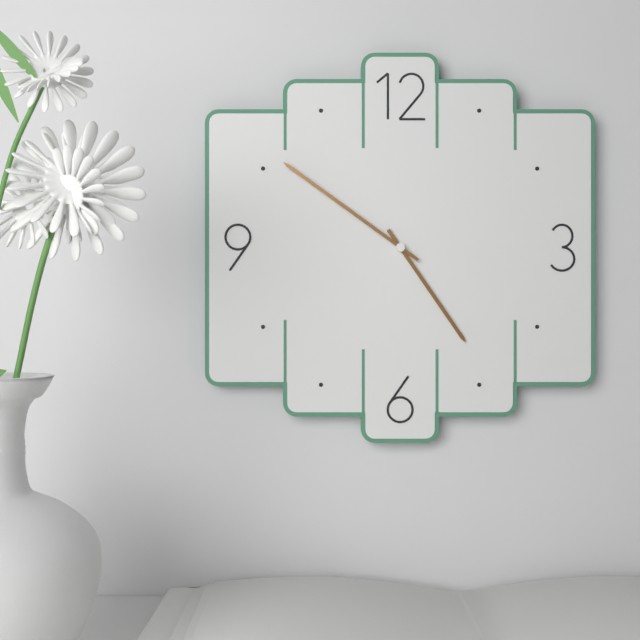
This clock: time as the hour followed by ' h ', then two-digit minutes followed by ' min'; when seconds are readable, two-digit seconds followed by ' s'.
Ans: 4 h 51 min
